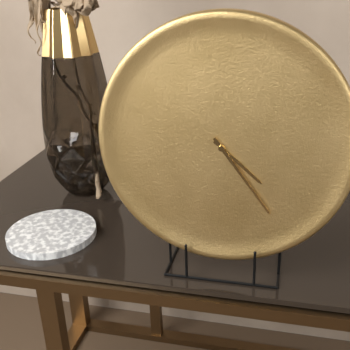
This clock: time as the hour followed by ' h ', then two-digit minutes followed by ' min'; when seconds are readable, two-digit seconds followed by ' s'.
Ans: 4 h 24 min
